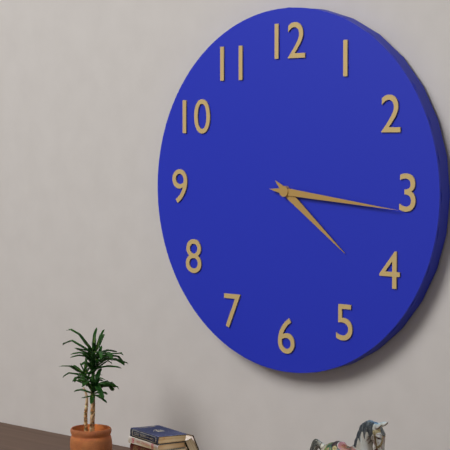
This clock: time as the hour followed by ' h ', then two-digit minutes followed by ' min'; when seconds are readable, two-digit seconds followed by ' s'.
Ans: 4 h 16 min
